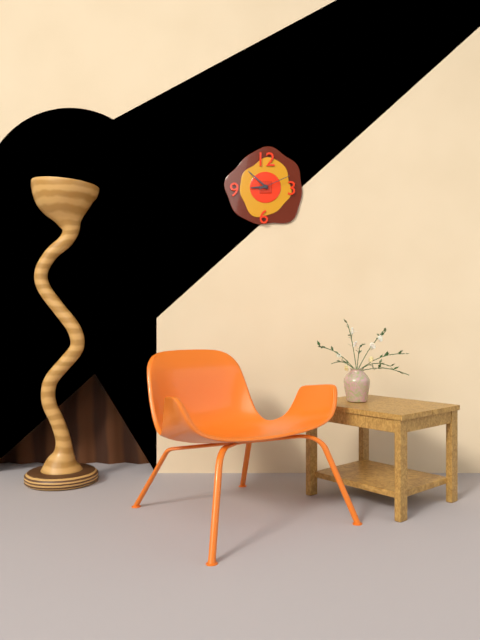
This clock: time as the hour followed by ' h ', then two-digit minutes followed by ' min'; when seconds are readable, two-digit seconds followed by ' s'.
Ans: 8 h 52 min
